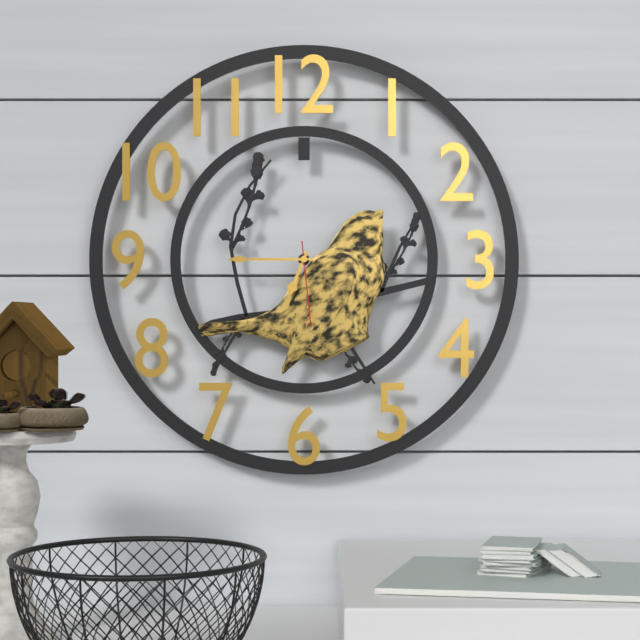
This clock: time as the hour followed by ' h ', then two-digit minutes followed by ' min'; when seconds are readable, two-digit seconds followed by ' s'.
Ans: 6 h 45 min 29 s
